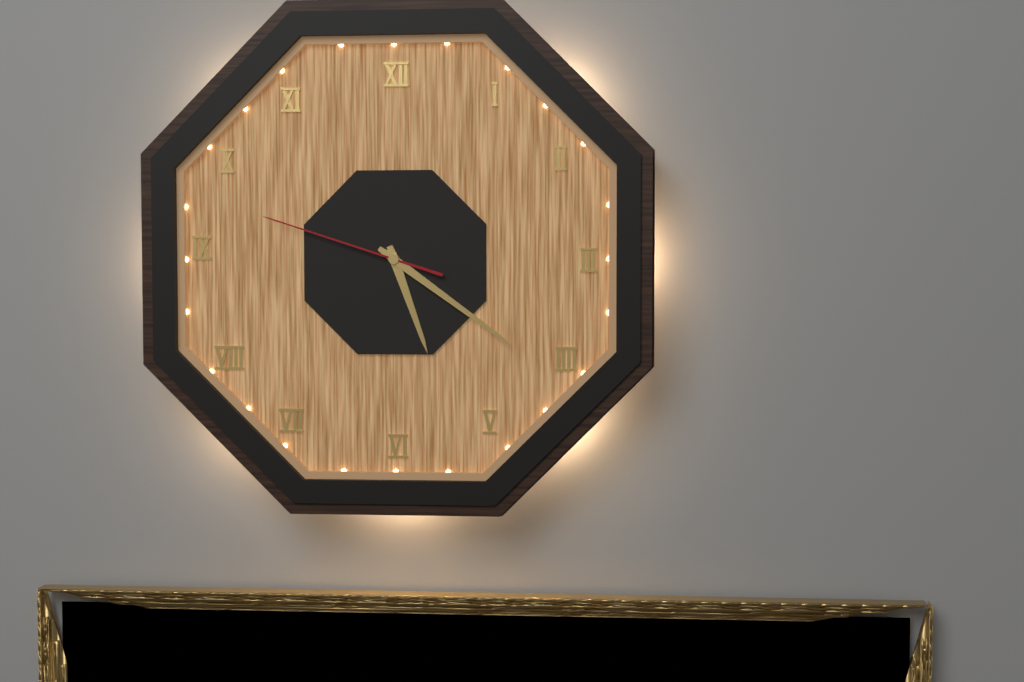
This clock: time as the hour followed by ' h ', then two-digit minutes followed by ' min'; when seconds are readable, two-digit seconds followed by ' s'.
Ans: 5 h 21 min 48 s
